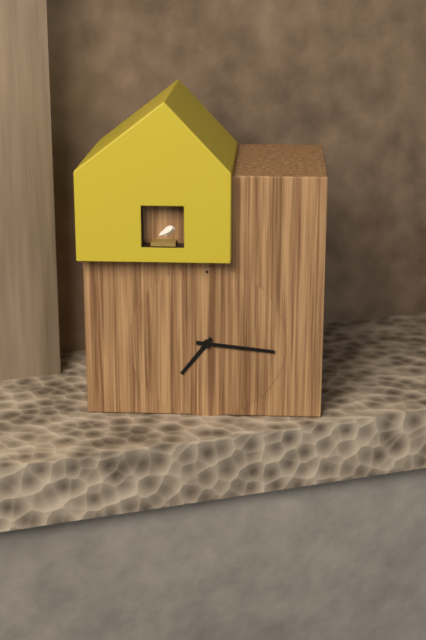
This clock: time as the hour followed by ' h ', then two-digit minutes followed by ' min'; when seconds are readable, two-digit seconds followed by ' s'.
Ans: 7 h 16 min
